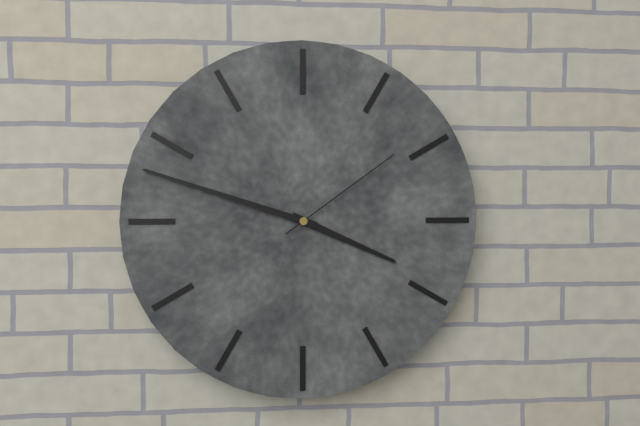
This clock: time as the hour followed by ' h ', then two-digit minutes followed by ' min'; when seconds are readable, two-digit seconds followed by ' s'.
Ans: 3 h 48 min 09 s
